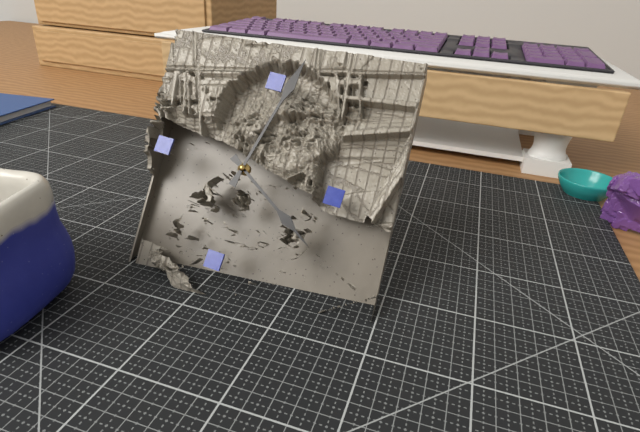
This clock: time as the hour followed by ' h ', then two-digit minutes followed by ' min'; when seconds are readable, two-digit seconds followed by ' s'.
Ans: 4 h 02 min
